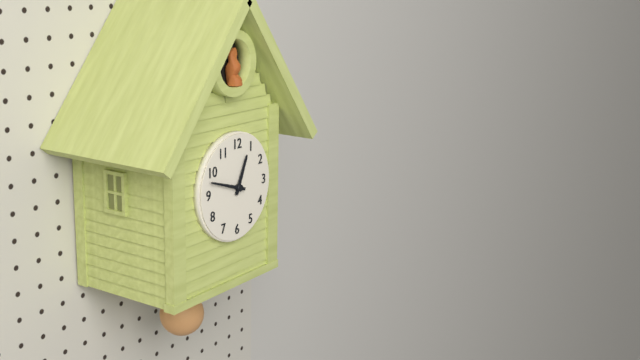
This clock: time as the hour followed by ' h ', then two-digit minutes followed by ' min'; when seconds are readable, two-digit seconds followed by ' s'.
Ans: 12 h 48 min
